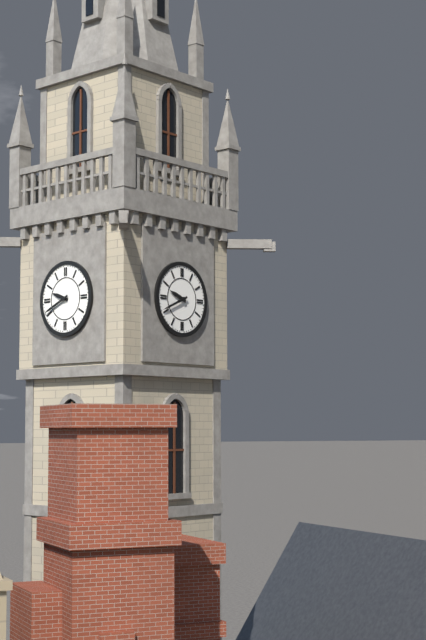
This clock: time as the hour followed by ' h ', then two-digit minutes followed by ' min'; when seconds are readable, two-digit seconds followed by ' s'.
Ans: 9 h 41 min
